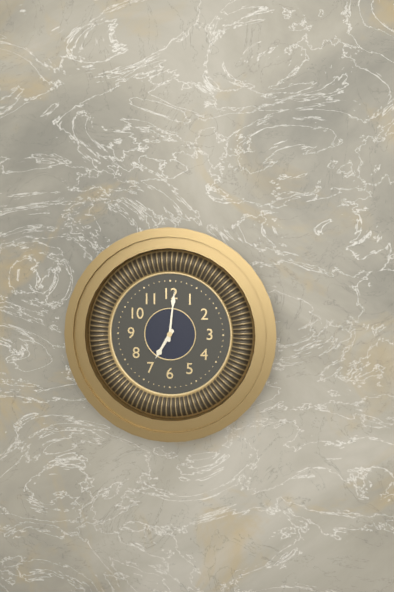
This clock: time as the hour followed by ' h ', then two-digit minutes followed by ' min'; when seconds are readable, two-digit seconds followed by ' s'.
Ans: 7 h 01 min
